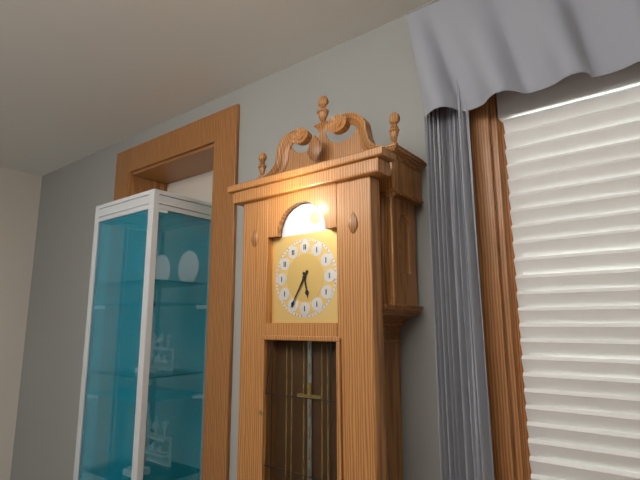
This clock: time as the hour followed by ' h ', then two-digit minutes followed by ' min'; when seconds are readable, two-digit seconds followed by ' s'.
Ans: 5 h 35 min
